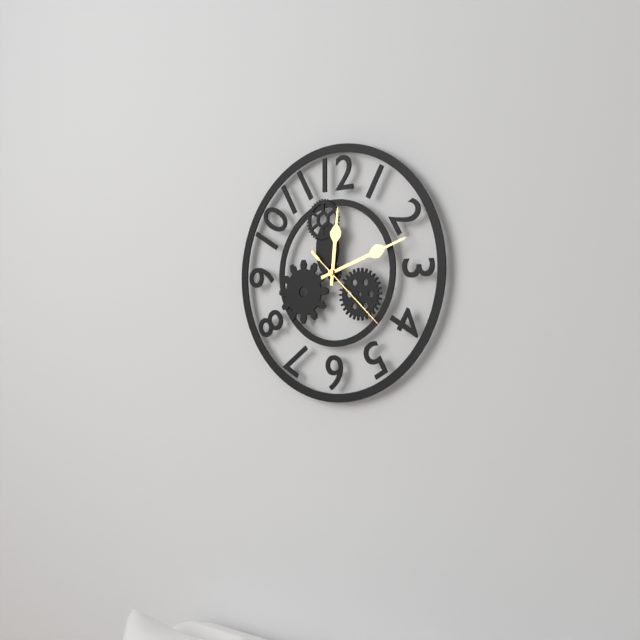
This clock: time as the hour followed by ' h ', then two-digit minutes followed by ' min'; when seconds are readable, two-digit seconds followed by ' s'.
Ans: 12 h 12 min 22 s
